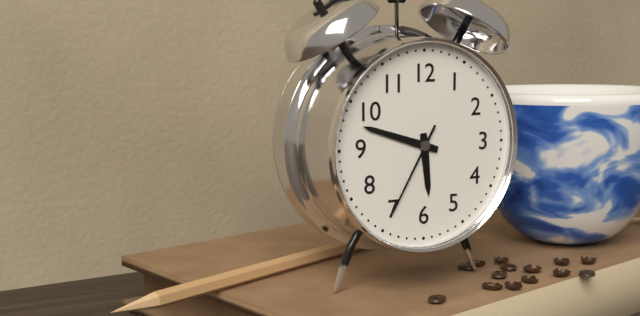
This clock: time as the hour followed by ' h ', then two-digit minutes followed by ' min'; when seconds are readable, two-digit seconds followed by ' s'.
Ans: 5 h 48 min 35 s
